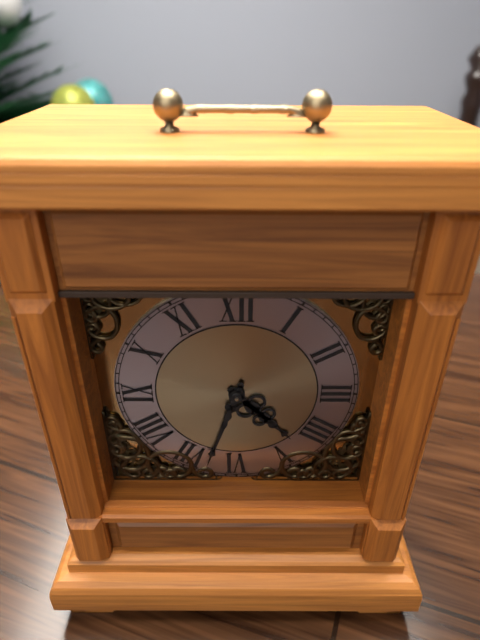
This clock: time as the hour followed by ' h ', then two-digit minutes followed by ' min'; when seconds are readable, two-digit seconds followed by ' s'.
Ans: 4 h 33 min
